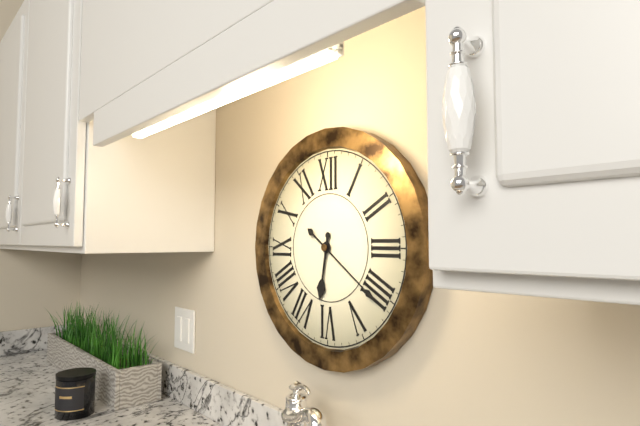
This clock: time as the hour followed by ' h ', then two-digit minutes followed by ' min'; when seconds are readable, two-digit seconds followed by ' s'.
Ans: 6 h 21 min
